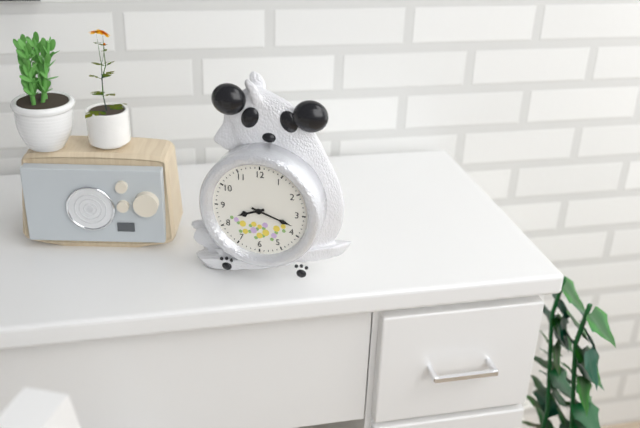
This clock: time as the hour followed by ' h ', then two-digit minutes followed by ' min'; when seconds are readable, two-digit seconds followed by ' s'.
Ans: 8 h 18 min
